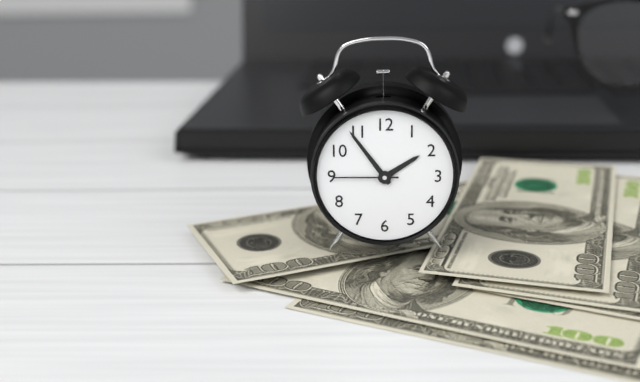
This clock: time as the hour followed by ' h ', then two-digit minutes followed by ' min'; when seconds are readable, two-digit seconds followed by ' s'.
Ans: 1 h 54 min 45 s
